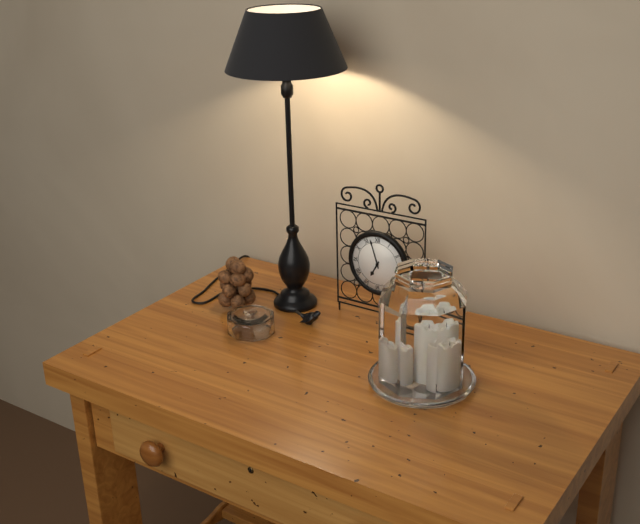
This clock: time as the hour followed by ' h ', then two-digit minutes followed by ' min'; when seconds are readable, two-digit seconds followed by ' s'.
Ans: 6 h 57 min
